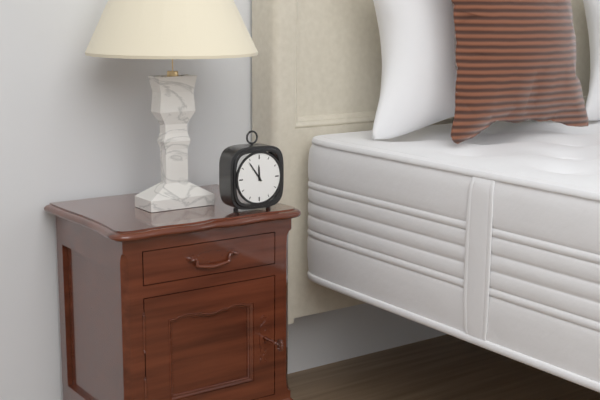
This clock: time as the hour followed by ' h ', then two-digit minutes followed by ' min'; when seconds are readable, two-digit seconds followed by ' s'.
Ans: 11 h 54 min
